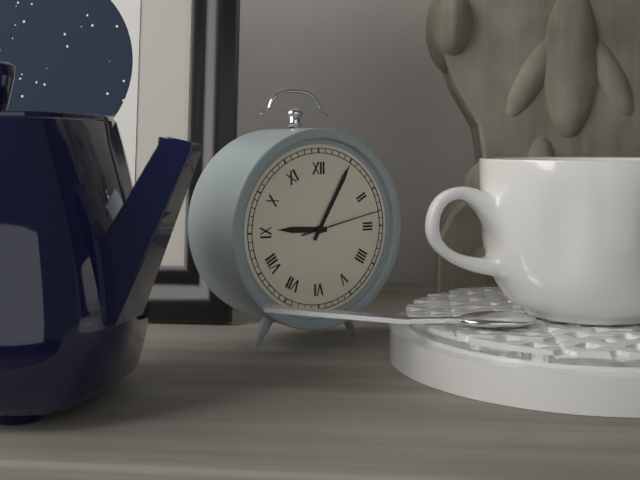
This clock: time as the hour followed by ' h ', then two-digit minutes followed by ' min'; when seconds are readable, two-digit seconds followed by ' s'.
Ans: 9 h 05 min 13 s
